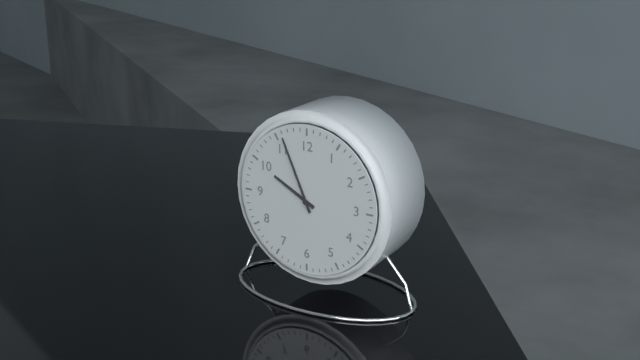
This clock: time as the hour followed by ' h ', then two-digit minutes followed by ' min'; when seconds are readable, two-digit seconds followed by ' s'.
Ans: 9 h 56 min
